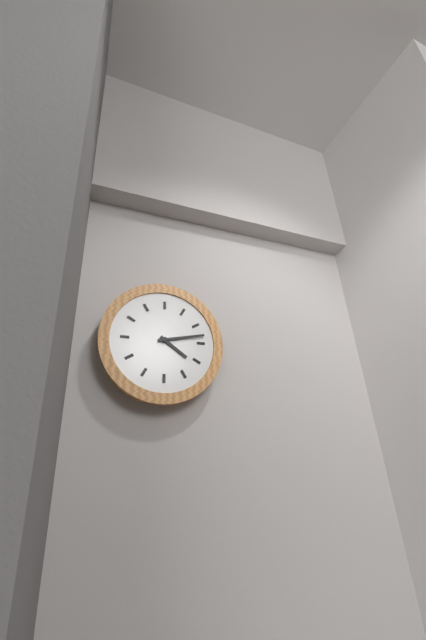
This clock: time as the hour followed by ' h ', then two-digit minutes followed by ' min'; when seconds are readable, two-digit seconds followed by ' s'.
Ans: 4 h 13 min
